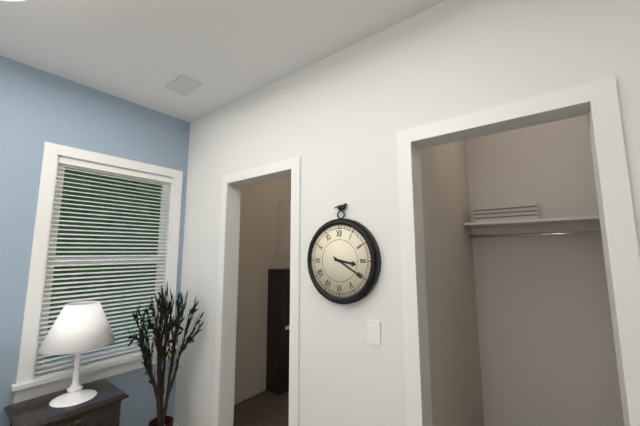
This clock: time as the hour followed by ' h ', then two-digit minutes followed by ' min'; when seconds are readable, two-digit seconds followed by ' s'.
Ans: 3 h 20 min
